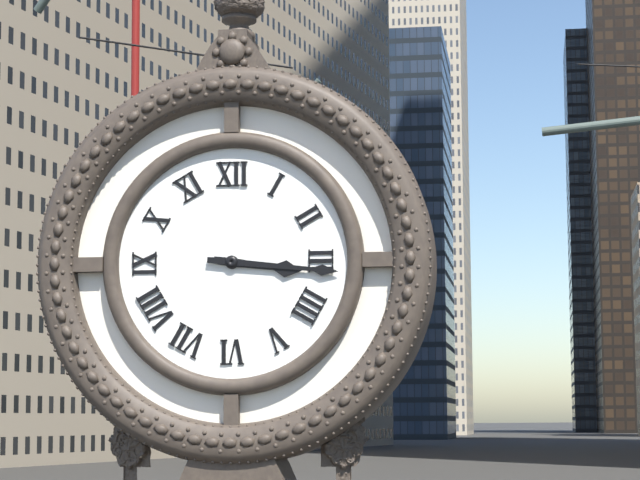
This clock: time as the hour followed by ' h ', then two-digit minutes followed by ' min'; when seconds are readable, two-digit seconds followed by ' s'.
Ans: 3 h 16 min
